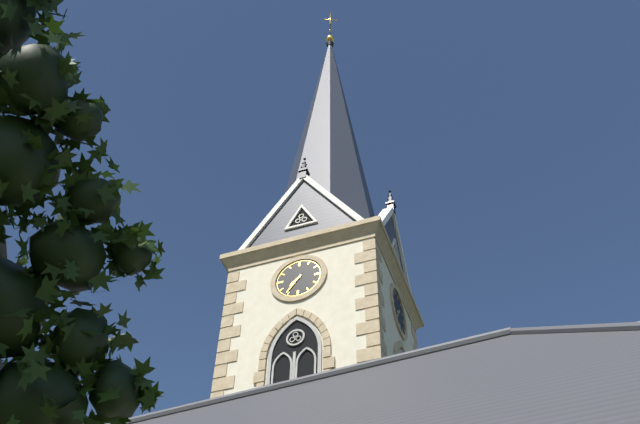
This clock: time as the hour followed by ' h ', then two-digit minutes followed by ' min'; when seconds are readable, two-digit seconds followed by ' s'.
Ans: 7 h 36 min
